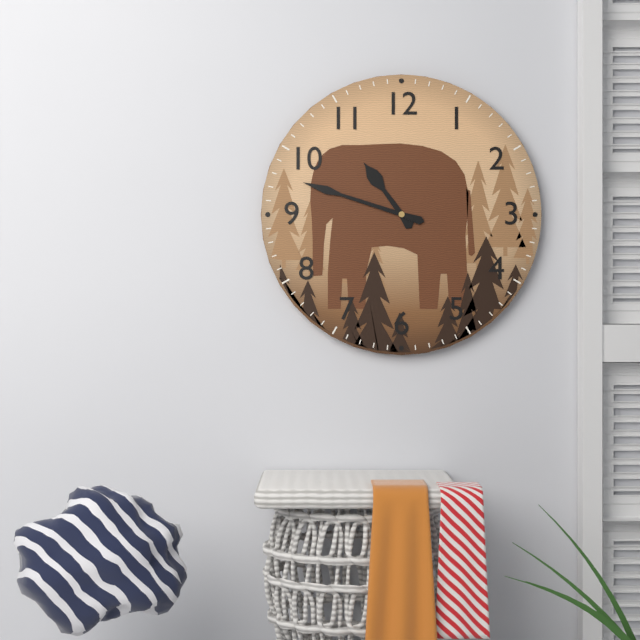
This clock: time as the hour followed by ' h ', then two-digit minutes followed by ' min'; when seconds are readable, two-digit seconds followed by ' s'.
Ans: 10 h 48 min
